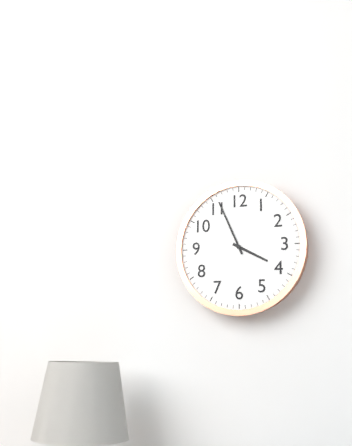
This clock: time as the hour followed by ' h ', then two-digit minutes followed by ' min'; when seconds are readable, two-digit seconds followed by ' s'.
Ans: 3 h 56 min
